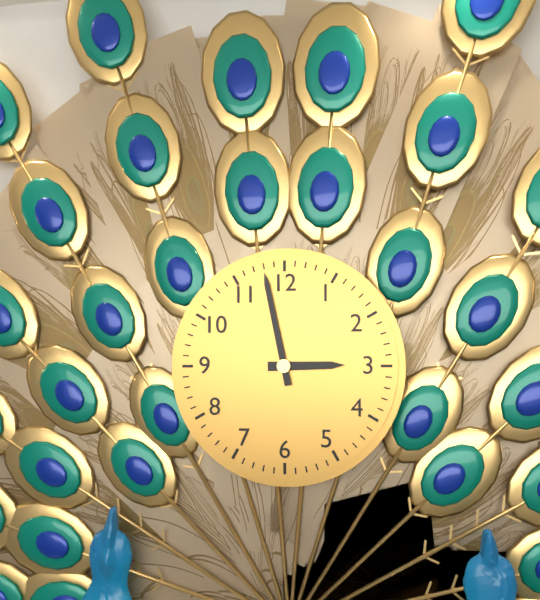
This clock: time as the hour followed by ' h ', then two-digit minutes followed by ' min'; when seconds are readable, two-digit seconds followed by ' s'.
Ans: 2 h 58 min
